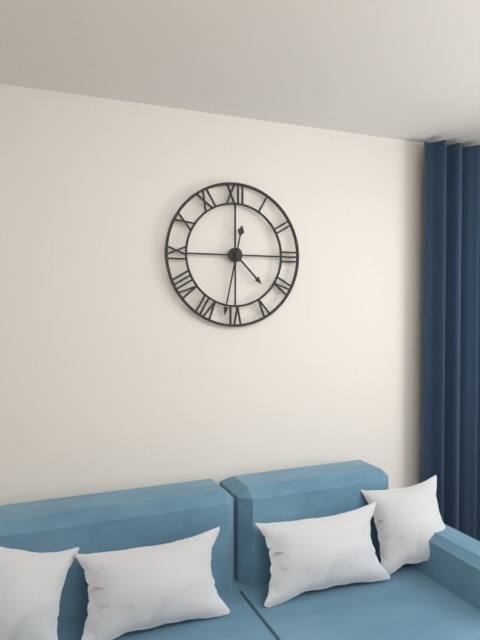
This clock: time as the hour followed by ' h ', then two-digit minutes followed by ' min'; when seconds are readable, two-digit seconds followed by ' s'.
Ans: 4 h 32 min
